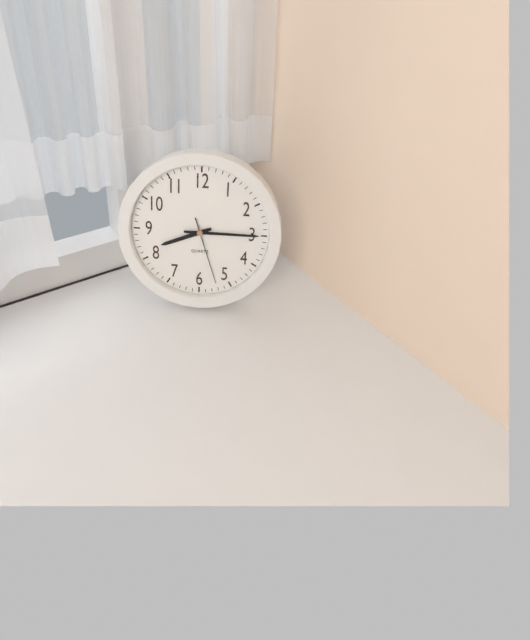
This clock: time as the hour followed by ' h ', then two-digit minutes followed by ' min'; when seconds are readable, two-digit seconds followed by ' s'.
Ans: 8 h 15 min 27 s
